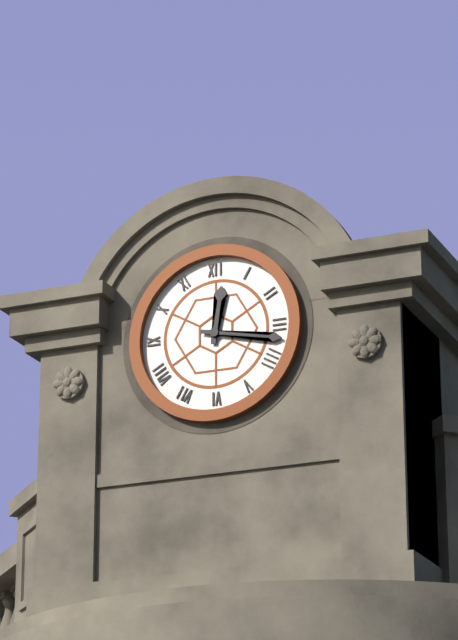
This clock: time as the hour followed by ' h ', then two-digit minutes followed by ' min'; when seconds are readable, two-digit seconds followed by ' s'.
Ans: 12 h 17 min
